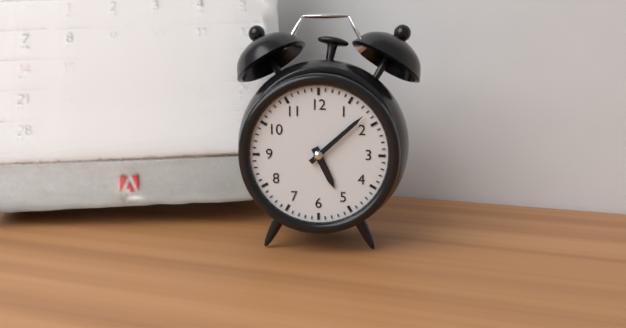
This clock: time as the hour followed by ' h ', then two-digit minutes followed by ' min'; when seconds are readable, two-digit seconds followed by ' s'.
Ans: 5 h 08 min
